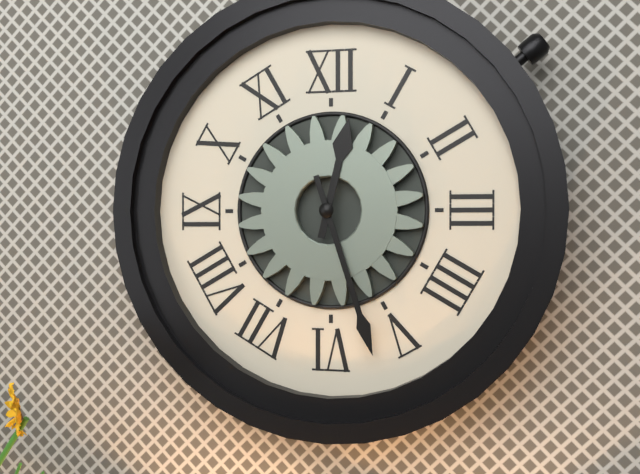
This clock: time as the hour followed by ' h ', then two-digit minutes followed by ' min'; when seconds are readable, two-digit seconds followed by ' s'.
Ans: 12 h 27 min
